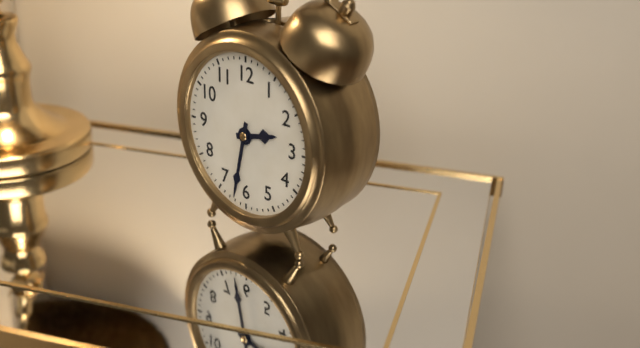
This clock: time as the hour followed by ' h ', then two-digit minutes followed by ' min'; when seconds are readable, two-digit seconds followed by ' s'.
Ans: 2 h 32 min
